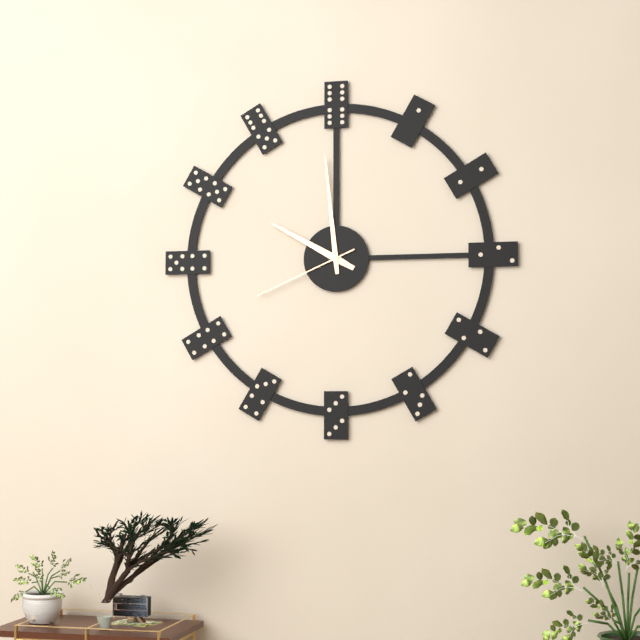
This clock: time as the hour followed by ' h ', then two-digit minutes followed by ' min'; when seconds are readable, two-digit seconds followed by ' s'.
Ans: 9 h 59 min 41 s
